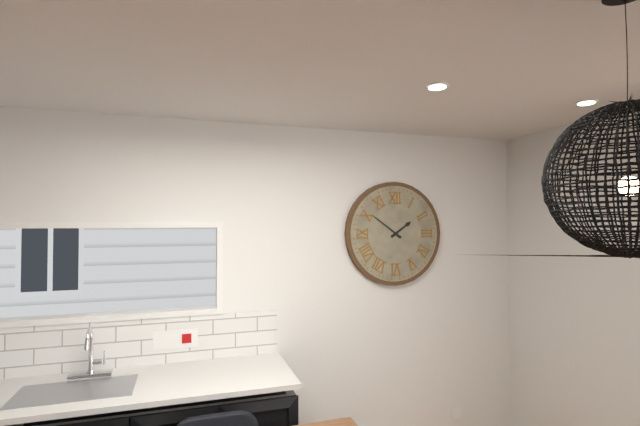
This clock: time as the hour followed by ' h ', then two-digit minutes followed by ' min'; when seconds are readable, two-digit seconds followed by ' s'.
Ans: 1 h 51 min
